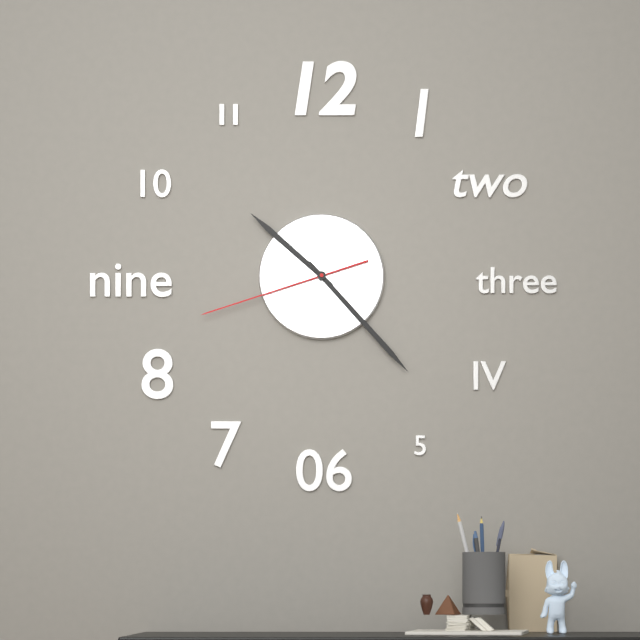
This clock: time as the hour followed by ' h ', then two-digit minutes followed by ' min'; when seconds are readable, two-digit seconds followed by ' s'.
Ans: 10 h 23 min 42 s
